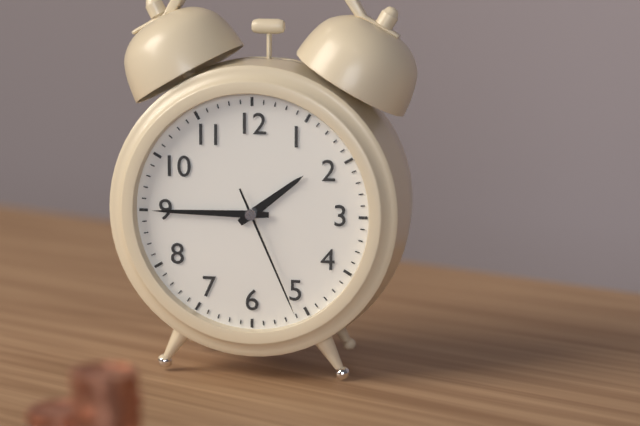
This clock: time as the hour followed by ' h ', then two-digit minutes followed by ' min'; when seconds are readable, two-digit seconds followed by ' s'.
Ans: 1 h 45 min 26 s
